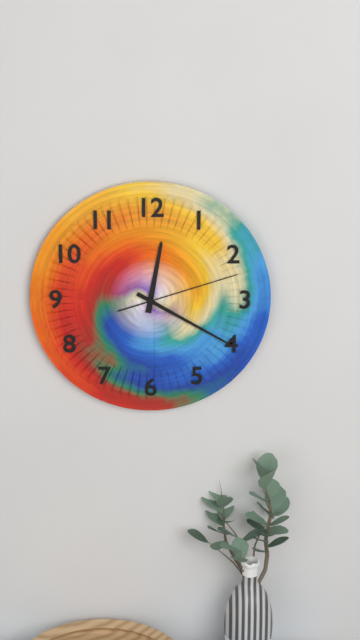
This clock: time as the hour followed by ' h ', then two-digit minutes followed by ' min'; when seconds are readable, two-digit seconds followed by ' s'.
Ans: 12 h 20 min 12 s
